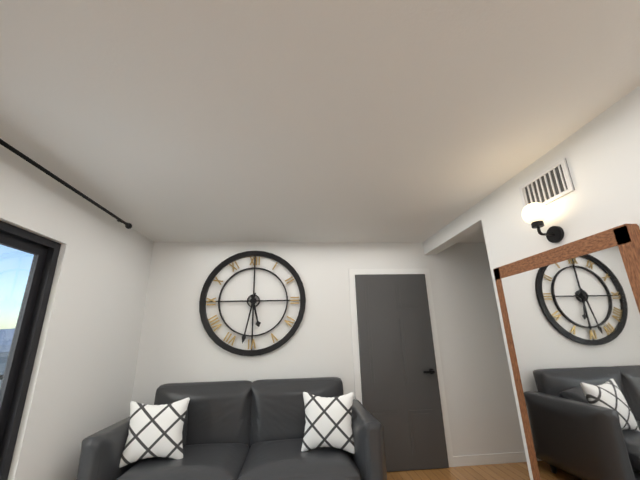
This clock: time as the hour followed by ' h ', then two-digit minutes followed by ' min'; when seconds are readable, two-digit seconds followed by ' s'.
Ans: 5 h 32 min
